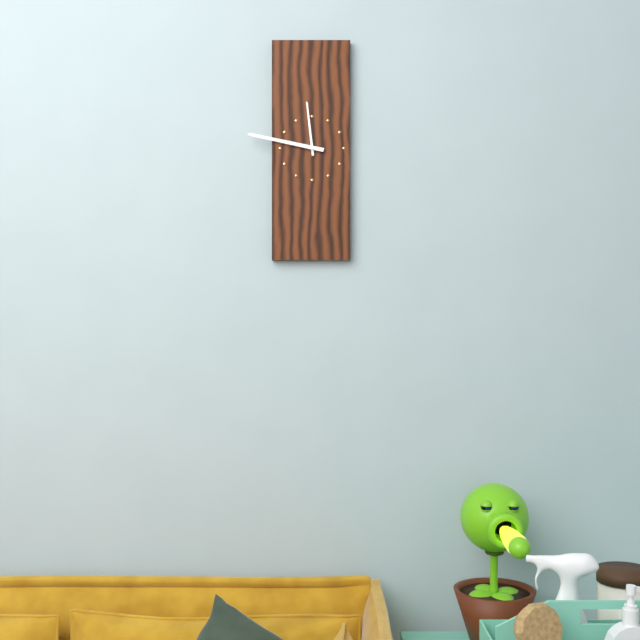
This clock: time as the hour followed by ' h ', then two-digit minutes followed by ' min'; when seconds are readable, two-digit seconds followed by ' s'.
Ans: 11 h 47 min
